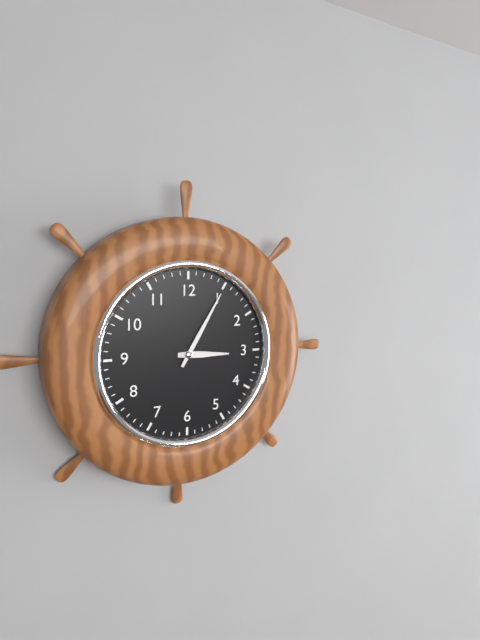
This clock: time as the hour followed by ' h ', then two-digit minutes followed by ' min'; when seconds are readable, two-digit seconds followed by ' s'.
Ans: 3 h 05 min
